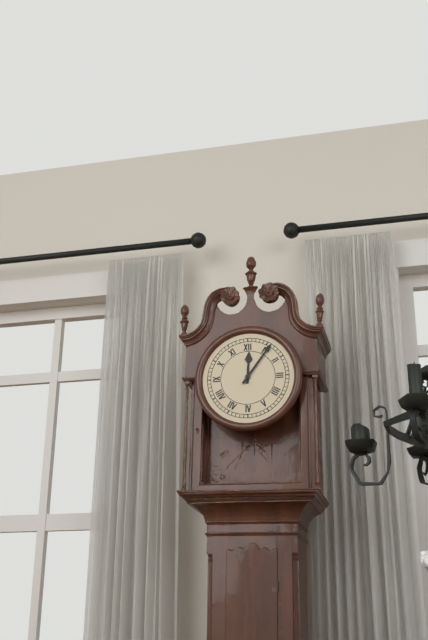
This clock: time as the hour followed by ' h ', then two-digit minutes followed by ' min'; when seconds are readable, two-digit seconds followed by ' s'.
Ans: 12 h 06 min
